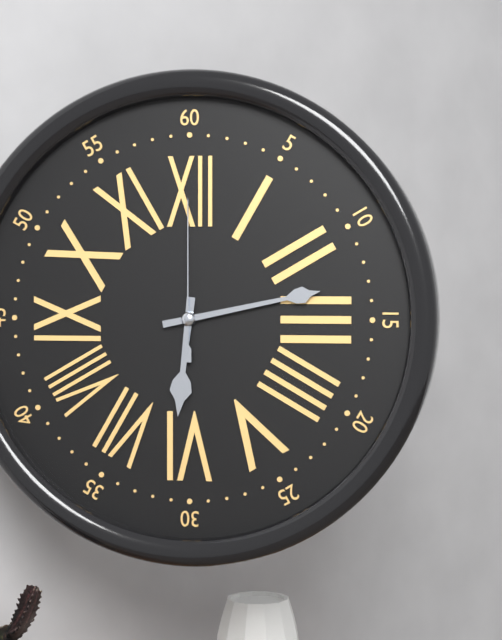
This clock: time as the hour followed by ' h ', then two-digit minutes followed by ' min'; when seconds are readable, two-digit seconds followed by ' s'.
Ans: 6 h 13 min 00 s
